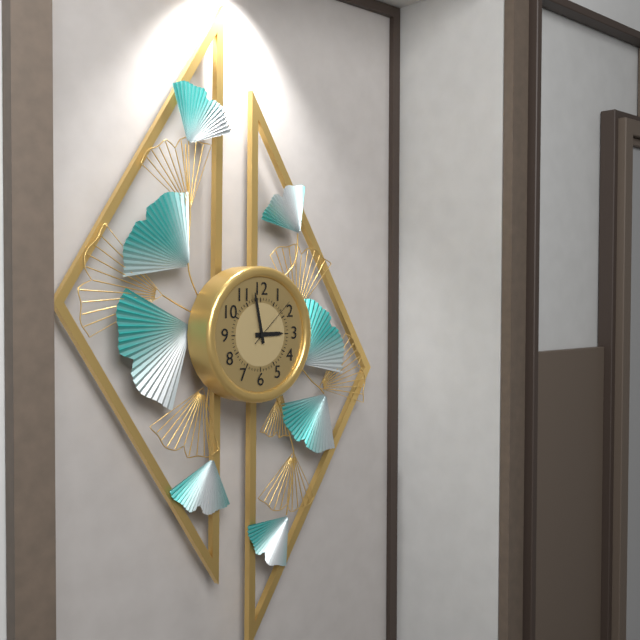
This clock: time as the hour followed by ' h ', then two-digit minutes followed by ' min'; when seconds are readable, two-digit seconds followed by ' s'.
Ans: 2 h 58 min 08 s
